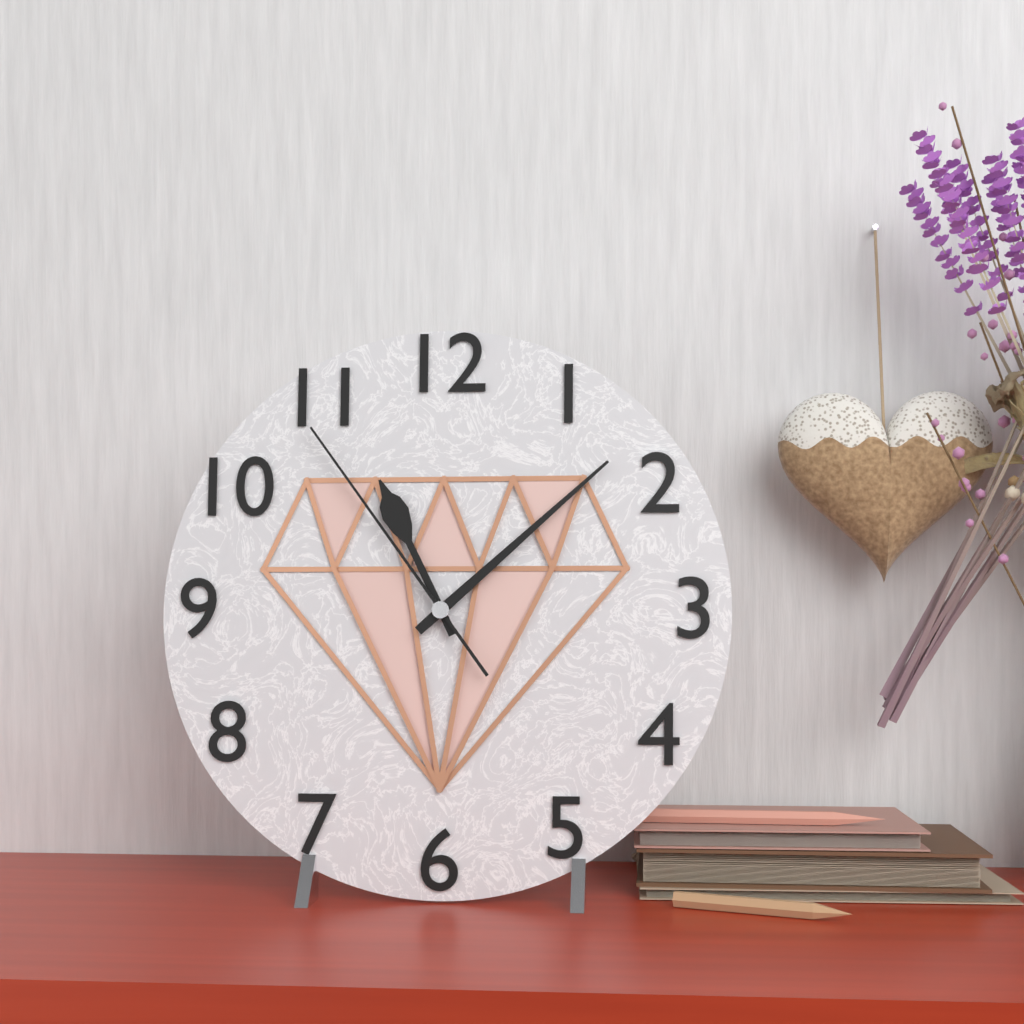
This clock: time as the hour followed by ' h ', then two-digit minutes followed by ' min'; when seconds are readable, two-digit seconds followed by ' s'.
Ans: 11 h 08 min 54 s
